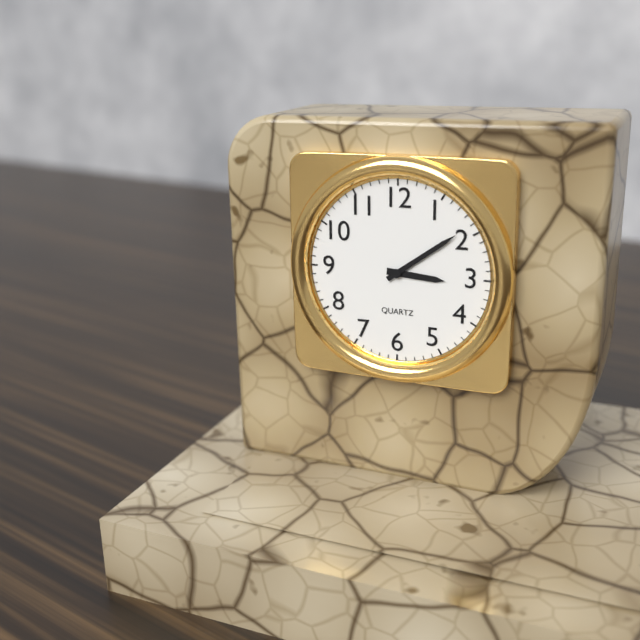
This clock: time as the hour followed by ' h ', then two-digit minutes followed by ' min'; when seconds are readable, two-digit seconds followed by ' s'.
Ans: 3 h 09 min
